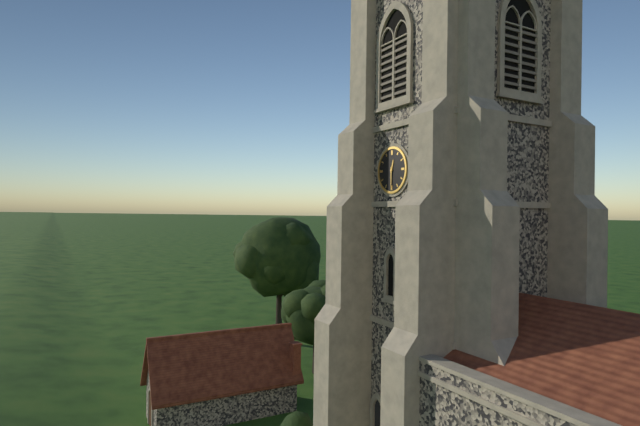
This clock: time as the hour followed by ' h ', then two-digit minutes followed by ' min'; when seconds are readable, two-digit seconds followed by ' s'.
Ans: 12 h 30 min
